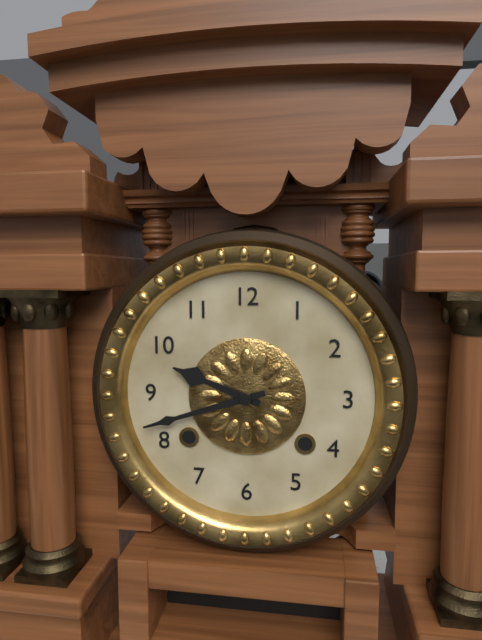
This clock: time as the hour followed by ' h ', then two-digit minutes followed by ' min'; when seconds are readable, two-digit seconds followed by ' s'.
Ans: 9 h 42 min
